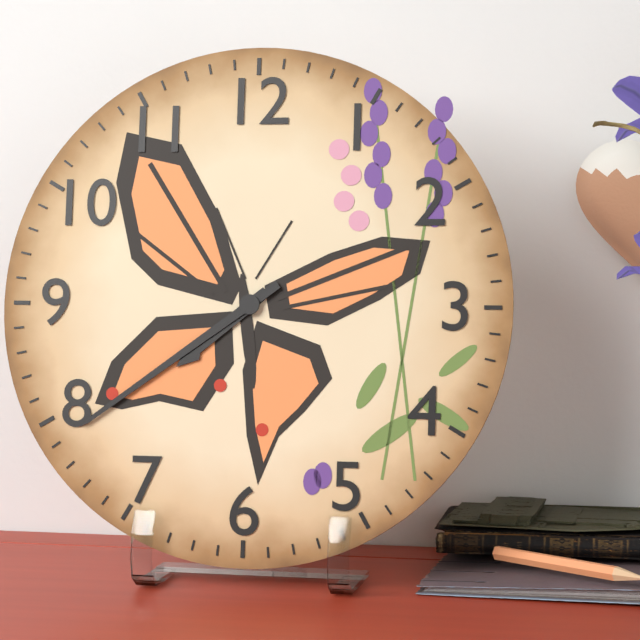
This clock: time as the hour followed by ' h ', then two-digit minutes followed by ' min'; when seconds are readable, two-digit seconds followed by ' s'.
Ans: 7 h 39 min
